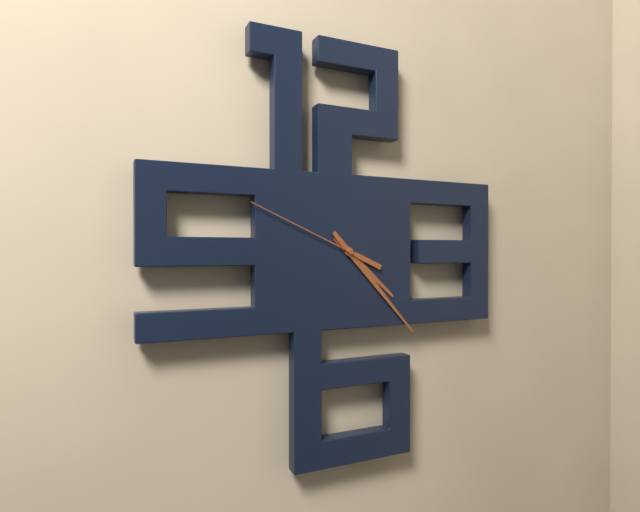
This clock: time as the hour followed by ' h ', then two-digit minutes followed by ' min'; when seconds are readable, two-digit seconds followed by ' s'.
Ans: 4 h 23 min 49 s
